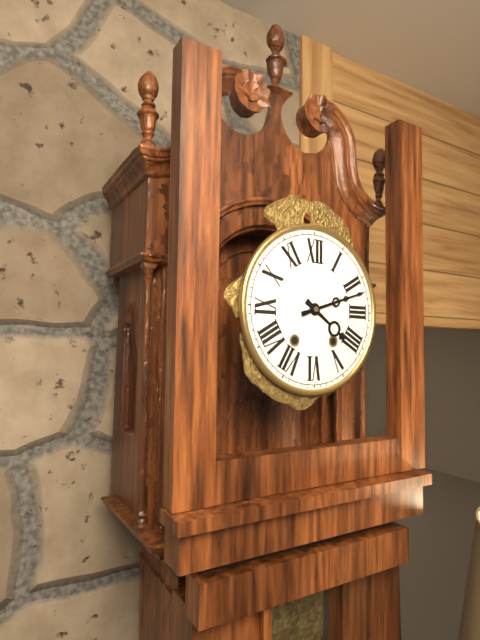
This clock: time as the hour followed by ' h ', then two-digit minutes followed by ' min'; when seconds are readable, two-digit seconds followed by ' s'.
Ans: 4 h 12 min
